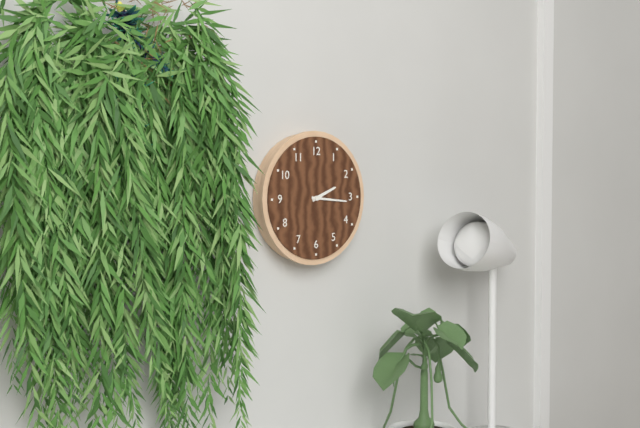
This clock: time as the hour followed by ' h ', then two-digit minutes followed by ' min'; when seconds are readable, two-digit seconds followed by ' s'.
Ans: 2 h 16 min
